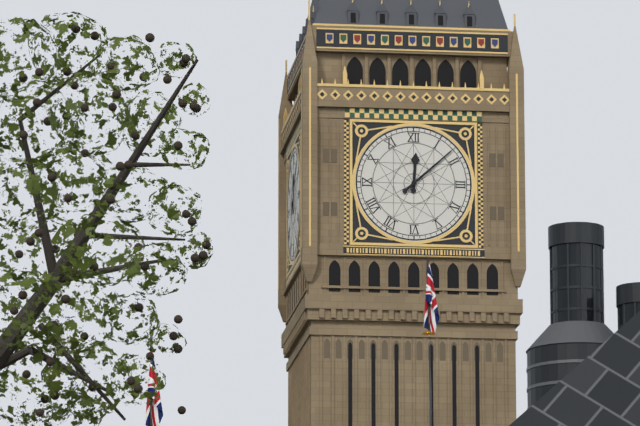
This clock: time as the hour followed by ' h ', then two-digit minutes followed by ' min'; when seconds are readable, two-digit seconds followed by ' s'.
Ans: 12 h 08 min
